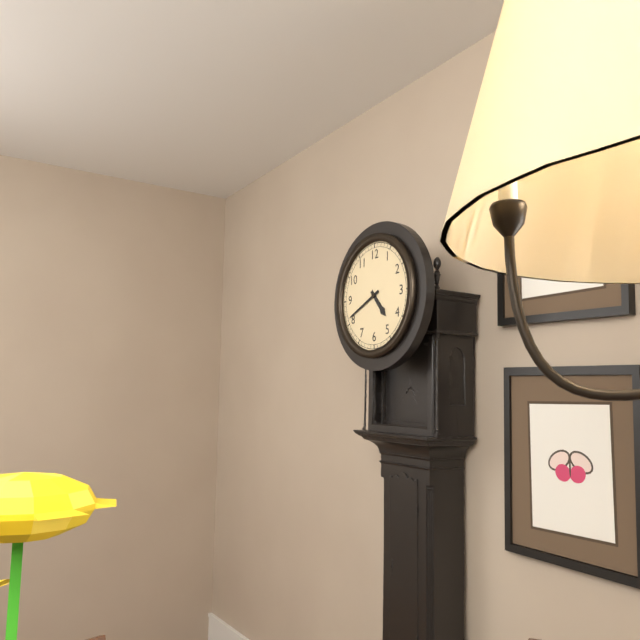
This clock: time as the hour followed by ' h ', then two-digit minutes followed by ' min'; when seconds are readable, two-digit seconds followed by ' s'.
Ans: 4 h 41 min
